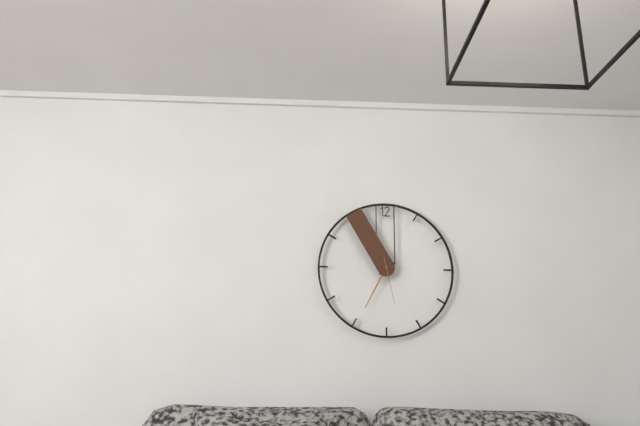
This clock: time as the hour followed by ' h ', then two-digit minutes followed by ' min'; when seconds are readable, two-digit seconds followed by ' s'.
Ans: 6 h 55 min
